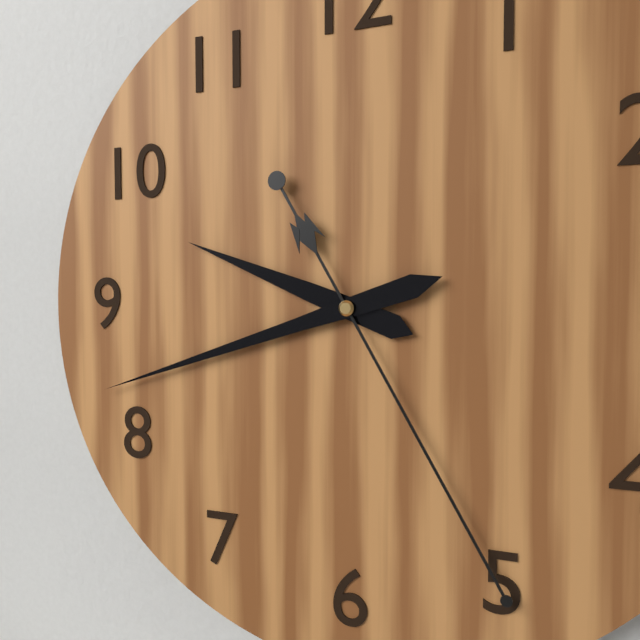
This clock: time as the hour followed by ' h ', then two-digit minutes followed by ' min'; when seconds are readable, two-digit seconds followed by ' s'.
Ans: 9 h 42 min 25 s
